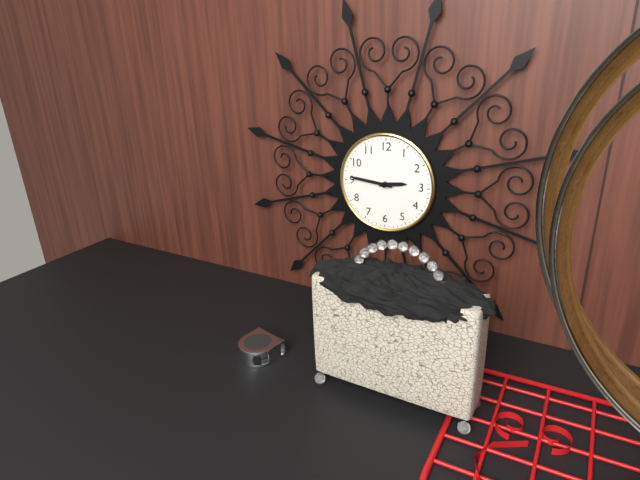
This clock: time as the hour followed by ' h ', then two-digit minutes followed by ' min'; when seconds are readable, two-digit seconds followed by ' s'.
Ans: 2 h 46 min
